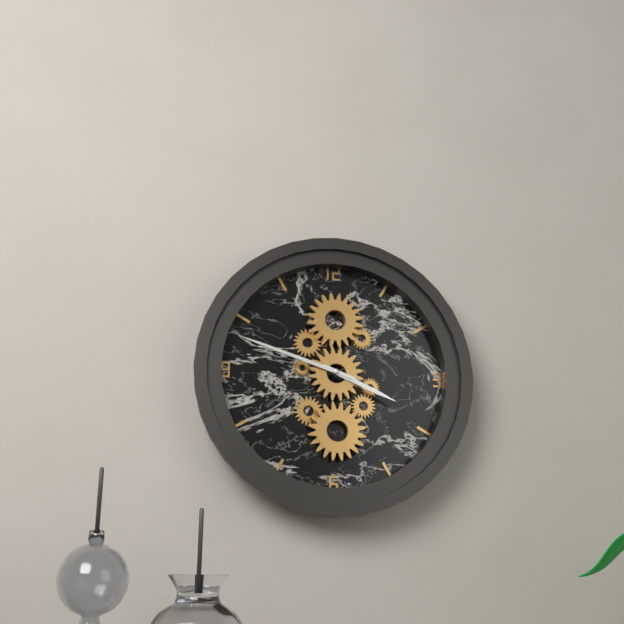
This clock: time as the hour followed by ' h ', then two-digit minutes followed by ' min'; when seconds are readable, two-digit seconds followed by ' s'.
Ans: 3 h 48 min
